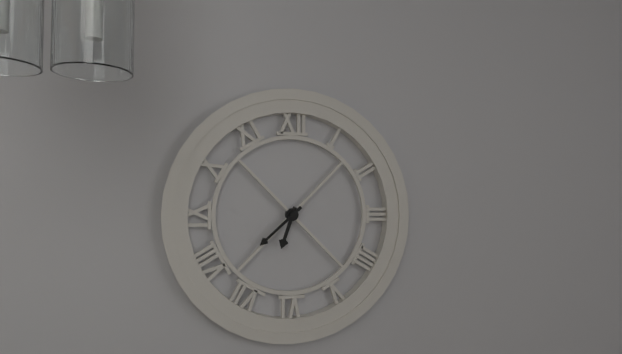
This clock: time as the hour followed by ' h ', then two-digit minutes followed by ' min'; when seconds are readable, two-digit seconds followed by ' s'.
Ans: 6 h 38 min
